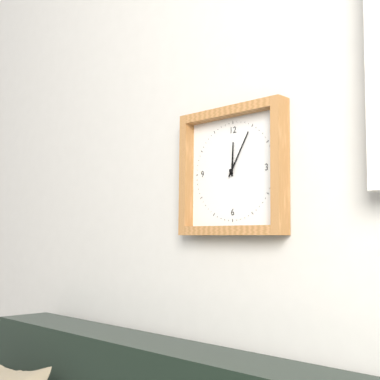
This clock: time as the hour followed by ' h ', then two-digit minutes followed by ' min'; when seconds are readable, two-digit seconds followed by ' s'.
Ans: 12 h 05 min
